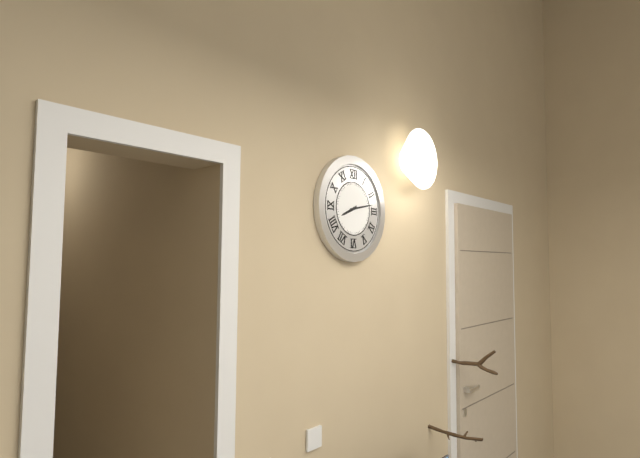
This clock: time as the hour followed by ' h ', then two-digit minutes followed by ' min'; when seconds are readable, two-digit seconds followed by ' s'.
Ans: 8 h 13 min
